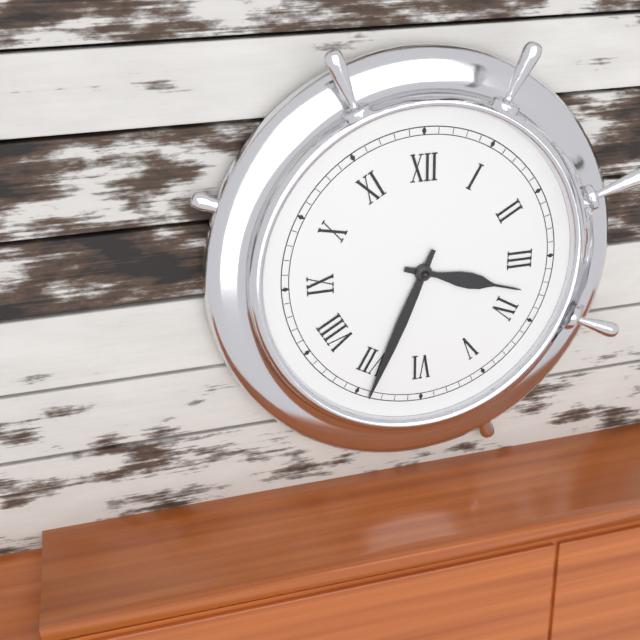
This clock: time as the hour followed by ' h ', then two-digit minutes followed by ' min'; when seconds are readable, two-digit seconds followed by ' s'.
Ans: 3 h 34 min
